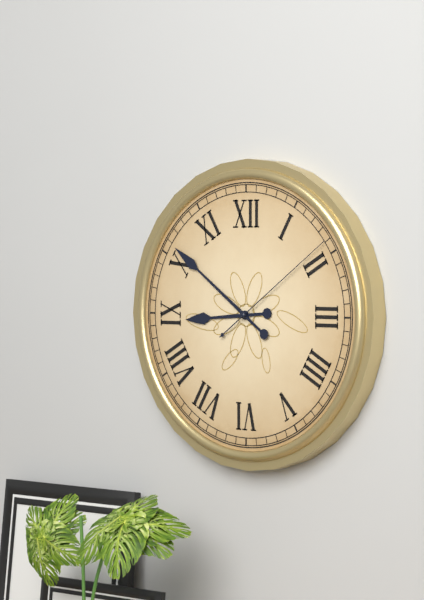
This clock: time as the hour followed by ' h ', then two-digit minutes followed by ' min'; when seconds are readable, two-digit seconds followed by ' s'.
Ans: 8 h 51 min 09 s
